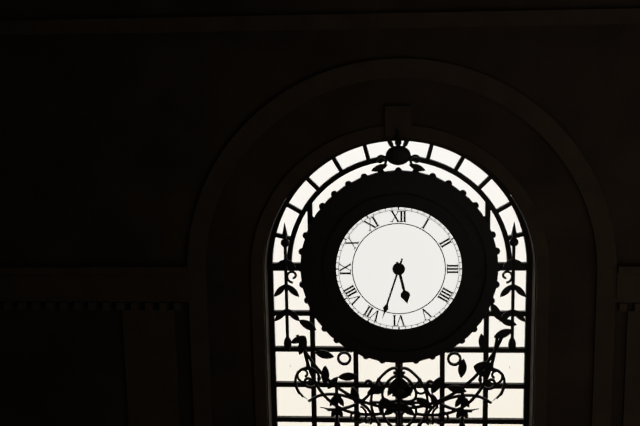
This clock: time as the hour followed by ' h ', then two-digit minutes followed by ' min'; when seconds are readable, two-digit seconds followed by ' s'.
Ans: 5 h 33 min
